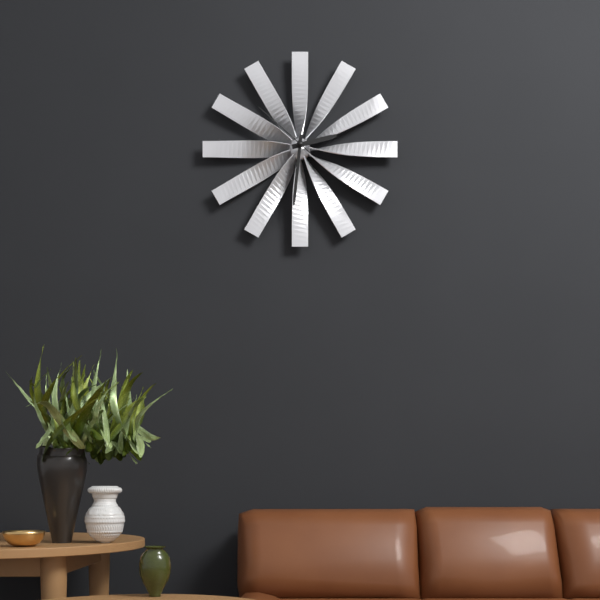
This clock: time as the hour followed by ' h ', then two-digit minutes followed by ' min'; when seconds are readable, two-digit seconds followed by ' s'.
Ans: 2 h 31 min 52 s
